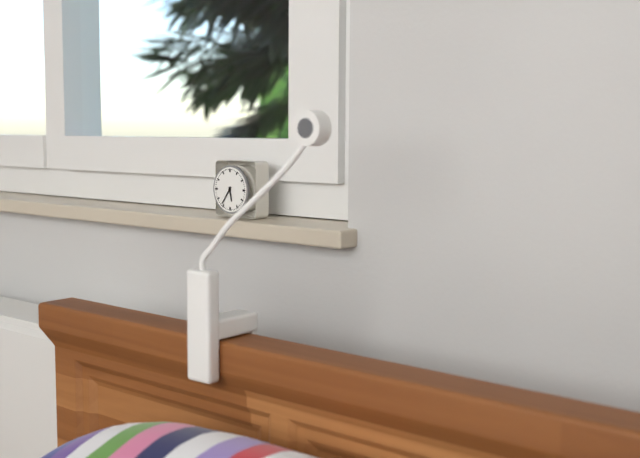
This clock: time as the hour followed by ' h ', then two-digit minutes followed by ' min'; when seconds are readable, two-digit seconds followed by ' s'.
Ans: 5 h 36 min
